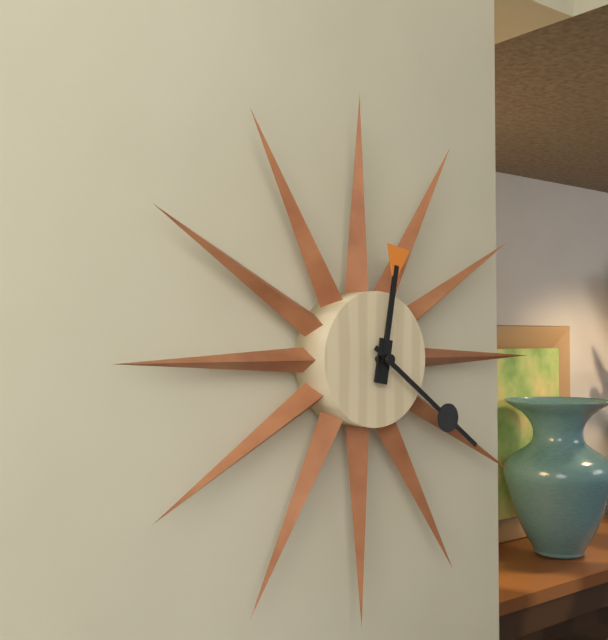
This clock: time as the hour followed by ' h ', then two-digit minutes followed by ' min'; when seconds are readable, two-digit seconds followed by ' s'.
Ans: 12 h 21 min
